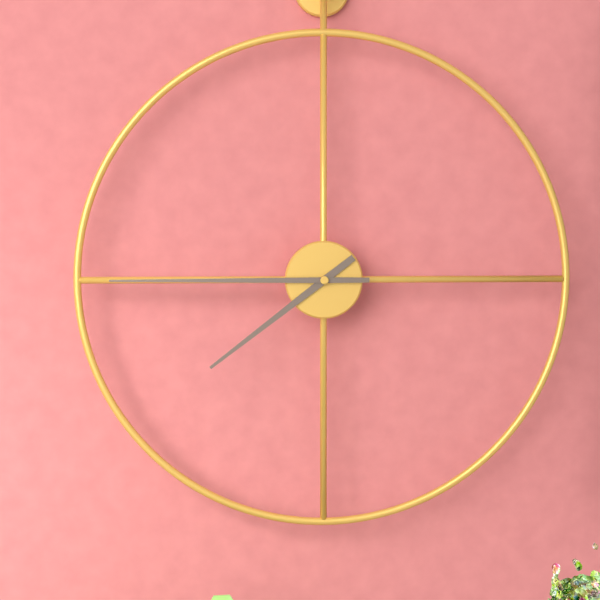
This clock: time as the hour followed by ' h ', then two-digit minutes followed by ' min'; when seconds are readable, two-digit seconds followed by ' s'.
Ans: 7 h 45 min
